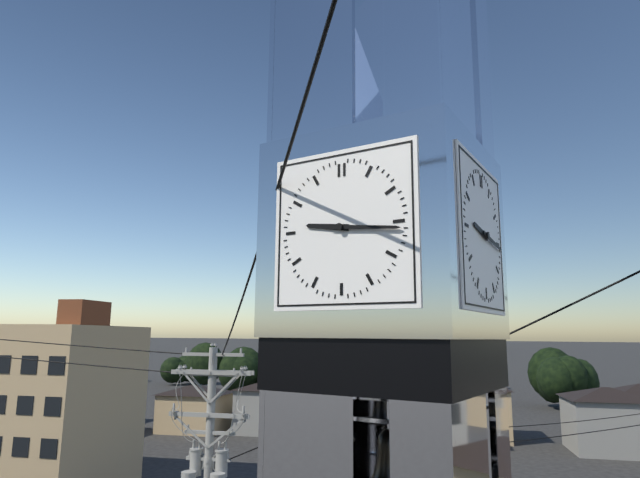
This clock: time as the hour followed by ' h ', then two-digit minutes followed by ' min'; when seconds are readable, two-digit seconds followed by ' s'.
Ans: 9 h 16 min
